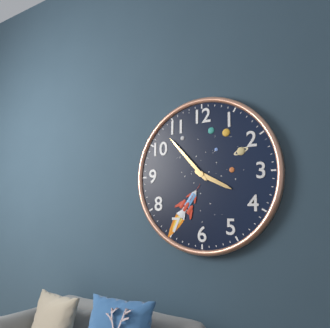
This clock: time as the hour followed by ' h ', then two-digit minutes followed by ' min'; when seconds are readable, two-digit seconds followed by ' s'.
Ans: 3 h 53 min
